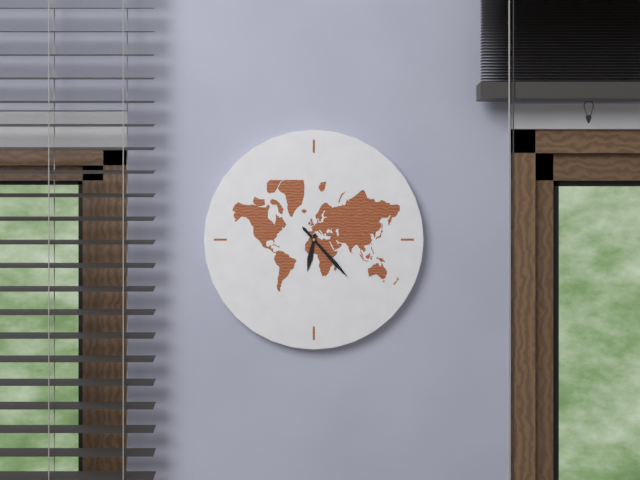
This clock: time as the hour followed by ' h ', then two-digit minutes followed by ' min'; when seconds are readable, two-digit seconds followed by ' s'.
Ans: 6 h 23 min
